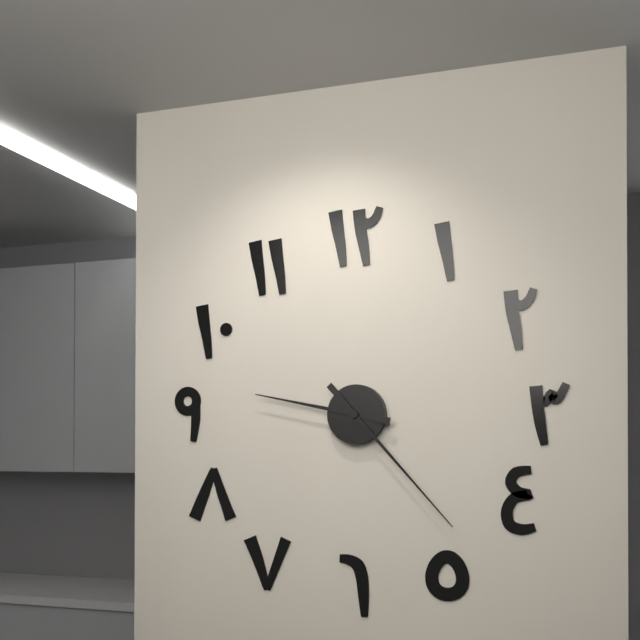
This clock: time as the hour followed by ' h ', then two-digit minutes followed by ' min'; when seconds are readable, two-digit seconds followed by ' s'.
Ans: 9 h 23 min
